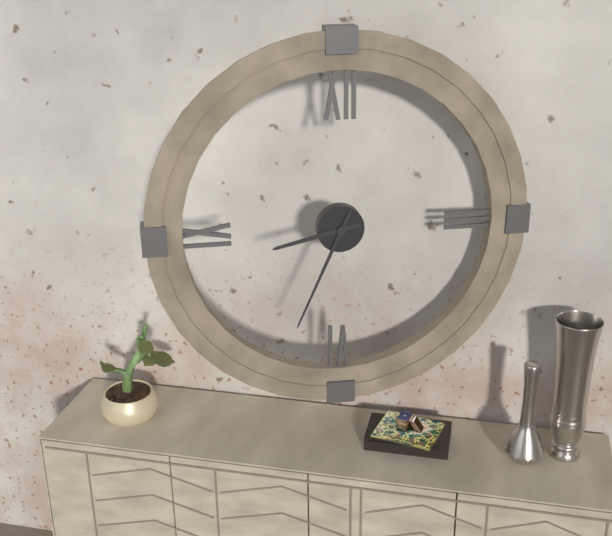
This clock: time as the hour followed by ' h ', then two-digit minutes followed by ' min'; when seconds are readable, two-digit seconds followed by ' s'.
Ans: 8 h 34 min
